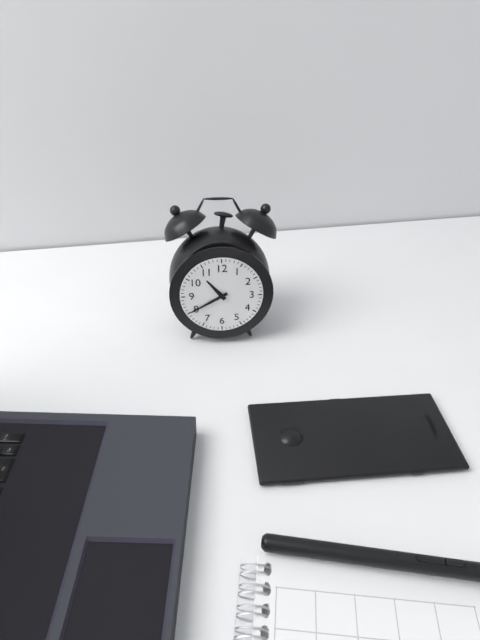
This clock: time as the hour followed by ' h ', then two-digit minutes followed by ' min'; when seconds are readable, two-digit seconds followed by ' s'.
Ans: 10 h 40 min
